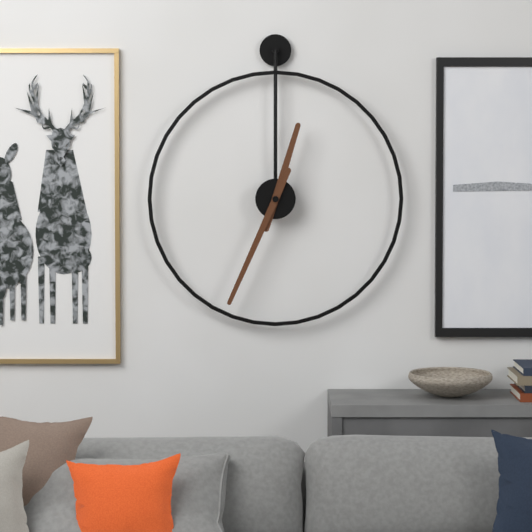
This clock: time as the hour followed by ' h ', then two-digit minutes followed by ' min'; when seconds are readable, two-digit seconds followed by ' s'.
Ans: 12 h 34 min
